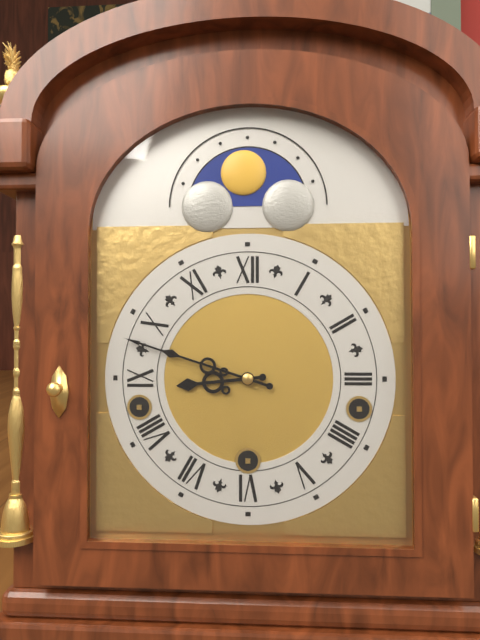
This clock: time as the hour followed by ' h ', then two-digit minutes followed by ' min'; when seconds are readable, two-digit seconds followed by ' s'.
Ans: 8 h 48 min
